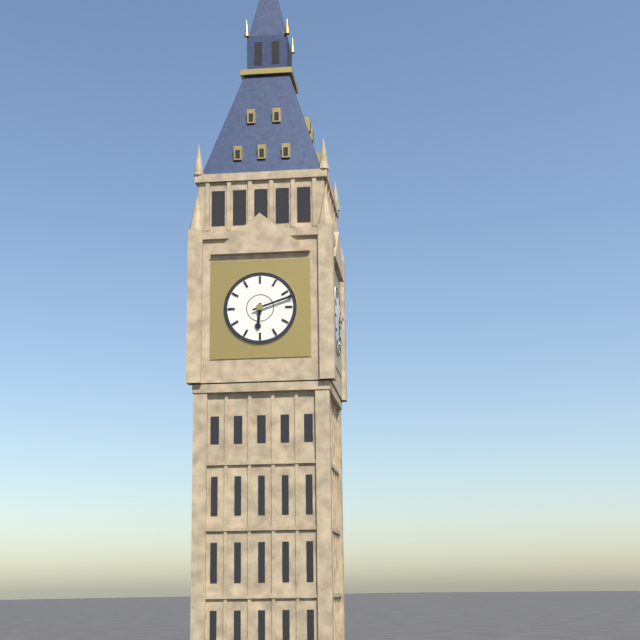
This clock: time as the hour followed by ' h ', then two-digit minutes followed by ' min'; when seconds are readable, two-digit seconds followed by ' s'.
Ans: 6 h 12 min
